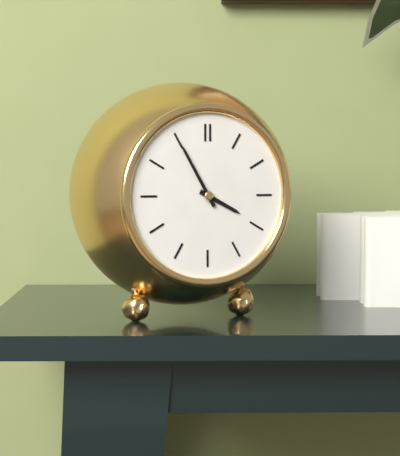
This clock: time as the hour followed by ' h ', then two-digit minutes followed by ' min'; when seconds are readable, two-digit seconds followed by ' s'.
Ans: 3 h 55 min
